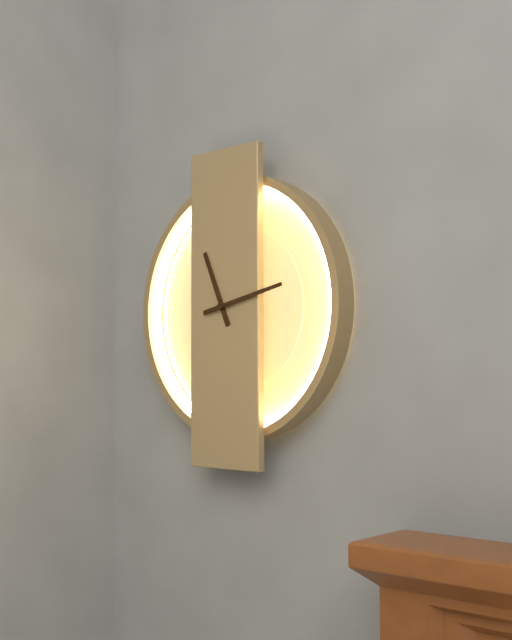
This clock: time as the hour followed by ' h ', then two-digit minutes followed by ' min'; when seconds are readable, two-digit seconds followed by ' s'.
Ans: 11 h 13 min
